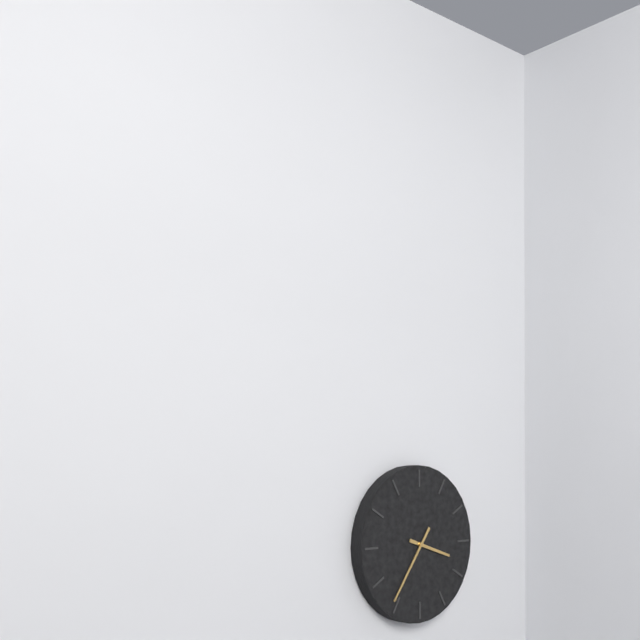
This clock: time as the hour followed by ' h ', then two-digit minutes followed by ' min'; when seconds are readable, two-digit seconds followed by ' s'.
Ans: 3 h 36 min
